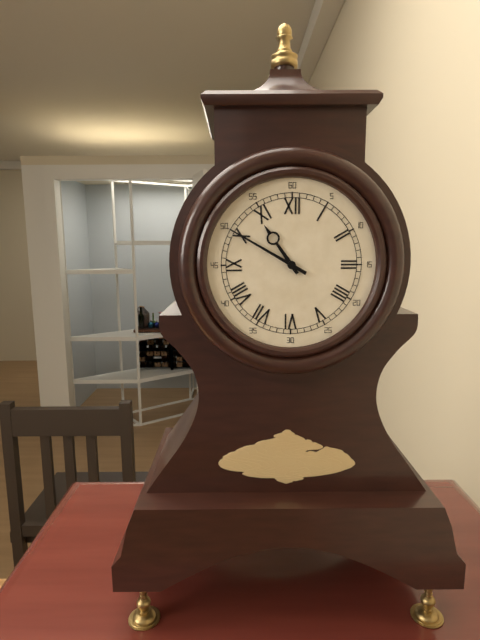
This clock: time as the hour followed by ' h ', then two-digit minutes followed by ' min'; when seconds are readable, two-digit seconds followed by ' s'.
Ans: 10 h 50 min
